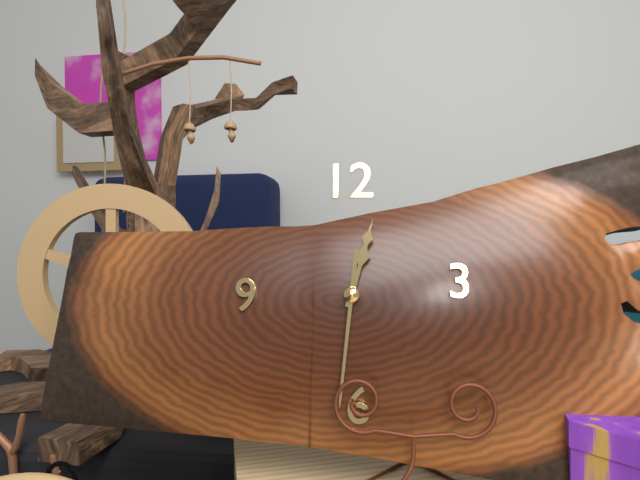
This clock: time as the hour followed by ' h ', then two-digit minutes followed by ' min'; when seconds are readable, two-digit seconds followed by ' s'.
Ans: 12 h 31 min
